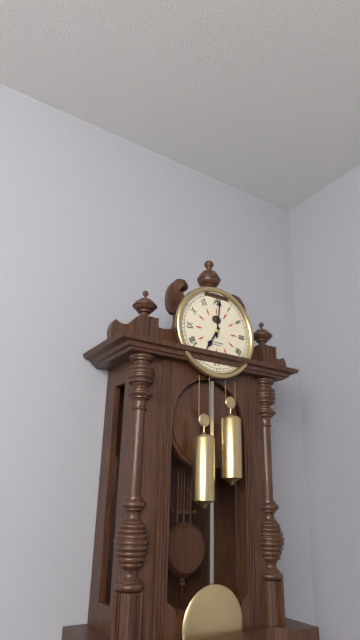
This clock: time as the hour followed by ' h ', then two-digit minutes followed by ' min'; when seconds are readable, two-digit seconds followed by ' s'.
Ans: 7 h 01 min
